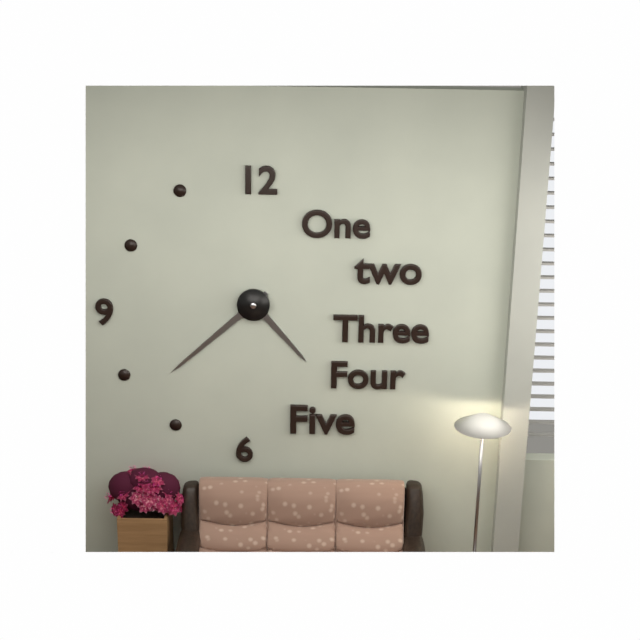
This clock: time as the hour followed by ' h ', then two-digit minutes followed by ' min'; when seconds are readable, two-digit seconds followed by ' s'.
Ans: 4 h 38 min
